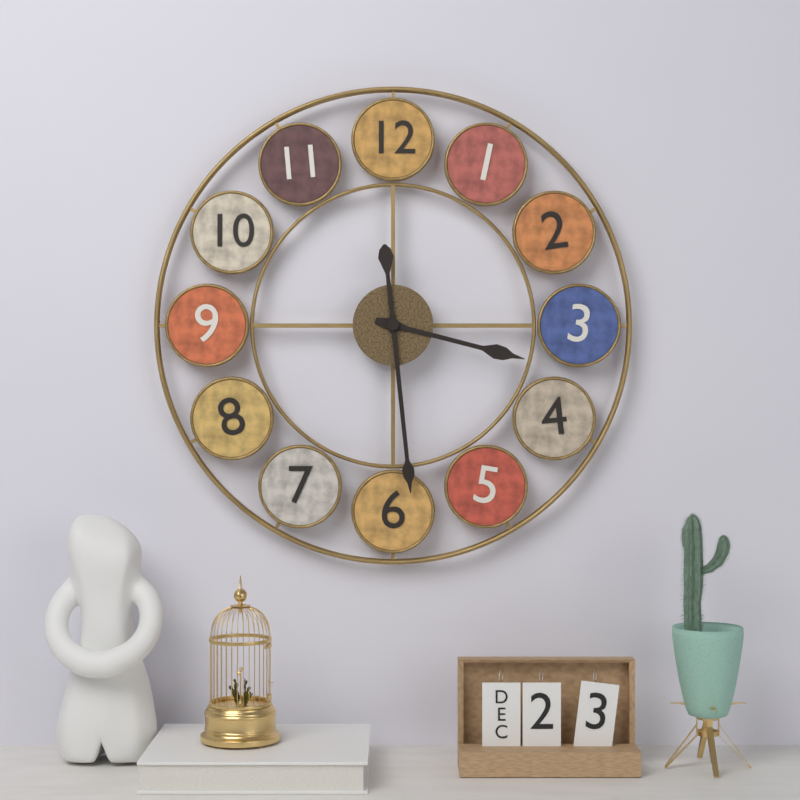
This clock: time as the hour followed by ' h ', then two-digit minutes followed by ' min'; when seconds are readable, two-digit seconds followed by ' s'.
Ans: 3 h 29 min
